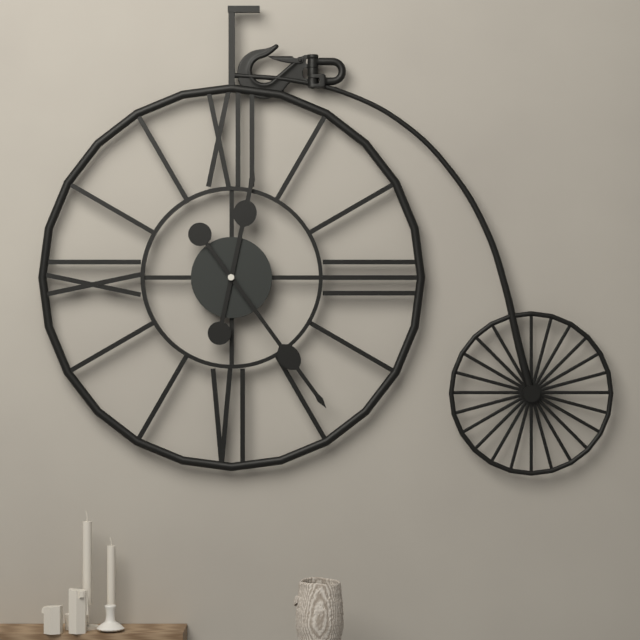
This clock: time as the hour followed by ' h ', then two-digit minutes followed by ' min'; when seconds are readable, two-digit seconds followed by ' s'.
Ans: 12 h 24 min
